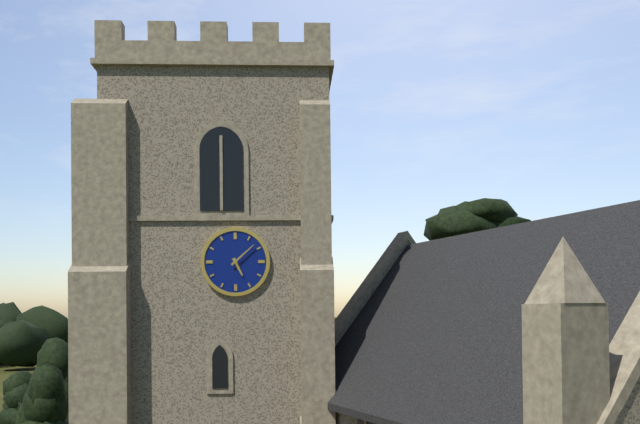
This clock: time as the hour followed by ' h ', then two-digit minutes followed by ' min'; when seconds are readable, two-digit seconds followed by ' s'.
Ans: 5 h 08 min
